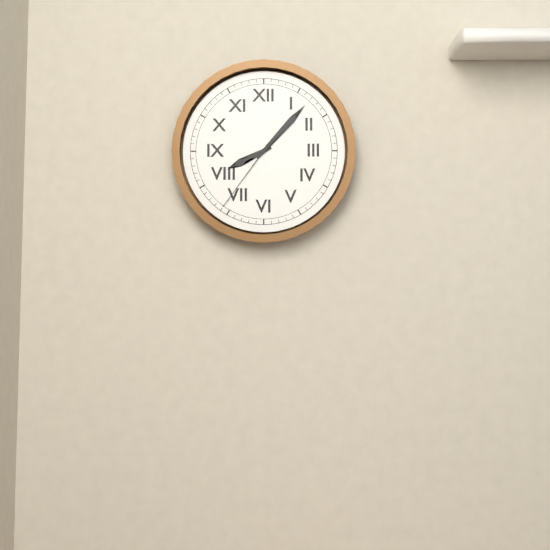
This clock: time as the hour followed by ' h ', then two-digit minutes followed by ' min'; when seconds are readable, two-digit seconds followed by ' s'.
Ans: 8 h 07 min 36 s
